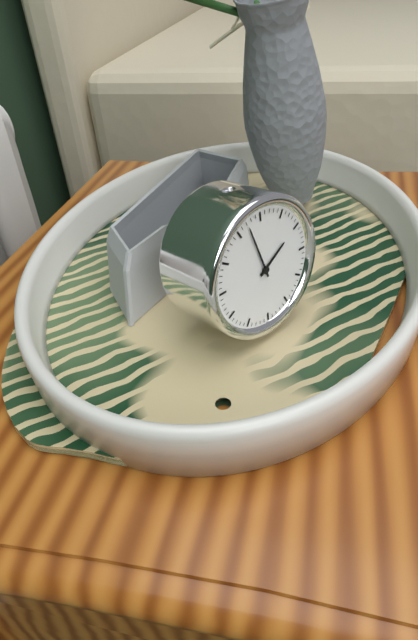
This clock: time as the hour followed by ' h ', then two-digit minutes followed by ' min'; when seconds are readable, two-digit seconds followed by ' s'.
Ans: 1 h 57 min
